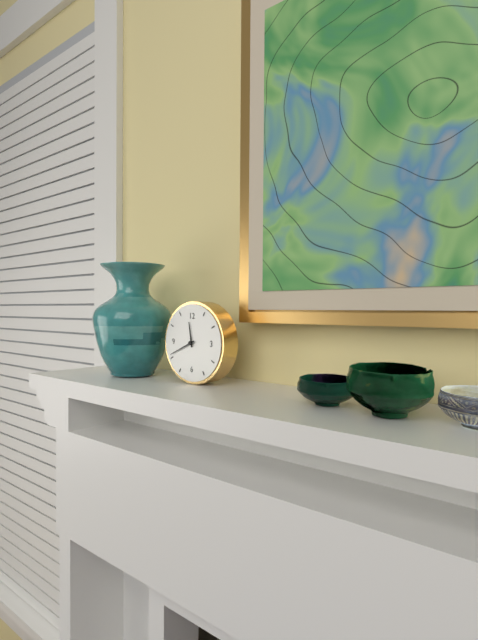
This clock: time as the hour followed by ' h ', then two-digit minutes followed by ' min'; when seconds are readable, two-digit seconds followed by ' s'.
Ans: 11 h 41 min
